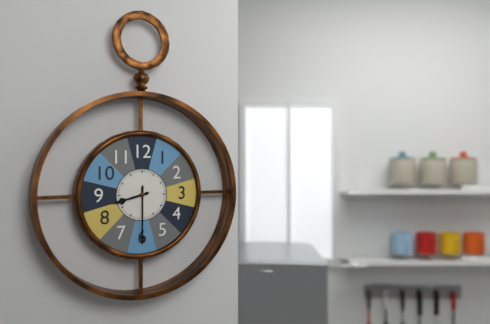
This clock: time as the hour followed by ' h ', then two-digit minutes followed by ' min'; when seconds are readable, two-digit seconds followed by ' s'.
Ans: 8 h 30 min
